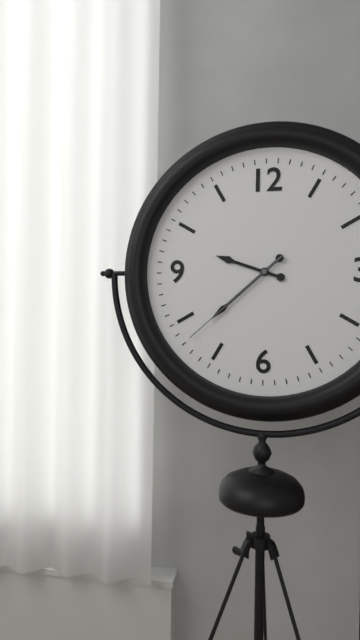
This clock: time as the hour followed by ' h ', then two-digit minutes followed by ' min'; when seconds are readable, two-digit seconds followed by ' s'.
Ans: 9 h 38 min 38 s
